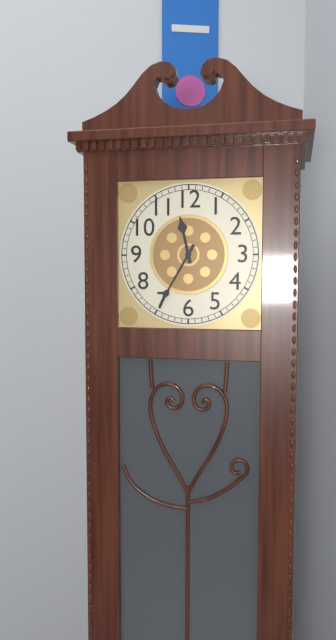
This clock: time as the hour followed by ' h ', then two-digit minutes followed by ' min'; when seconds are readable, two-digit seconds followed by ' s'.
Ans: 11 h 35 min
